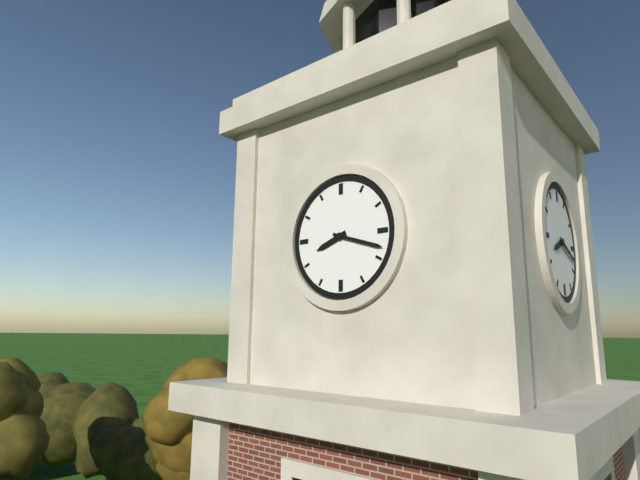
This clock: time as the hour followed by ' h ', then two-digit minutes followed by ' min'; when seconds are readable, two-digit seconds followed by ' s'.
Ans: 8 h 18 min
